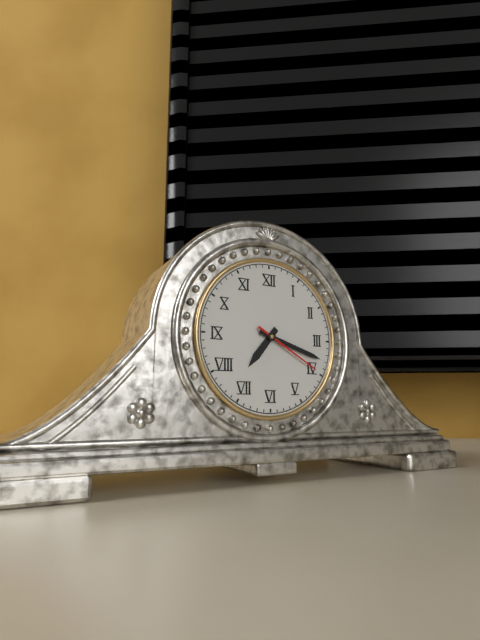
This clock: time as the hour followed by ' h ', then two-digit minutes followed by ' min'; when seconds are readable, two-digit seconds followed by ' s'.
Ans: 7 h 18 min 20 s
